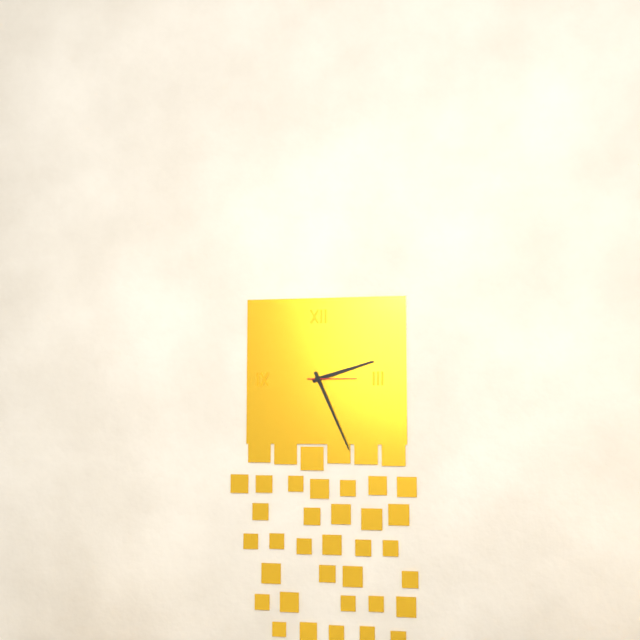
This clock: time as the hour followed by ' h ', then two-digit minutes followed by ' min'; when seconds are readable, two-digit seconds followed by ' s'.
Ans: 2 h 26 min
